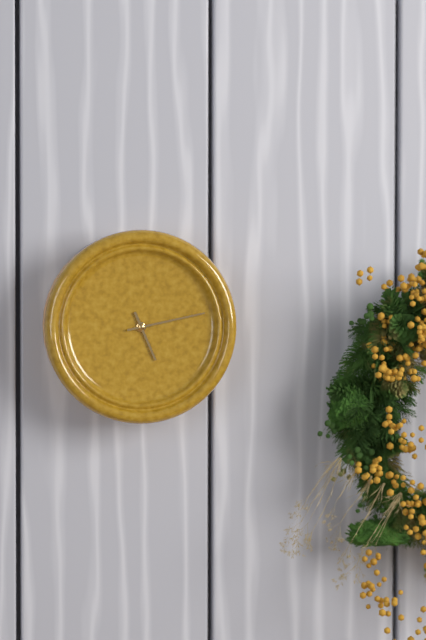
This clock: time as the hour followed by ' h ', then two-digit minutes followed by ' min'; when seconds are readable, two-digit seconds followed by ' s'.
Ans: 5 h 13 min
